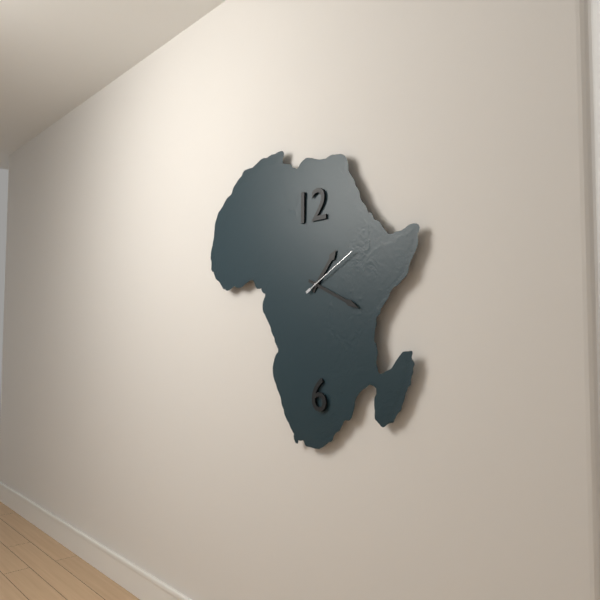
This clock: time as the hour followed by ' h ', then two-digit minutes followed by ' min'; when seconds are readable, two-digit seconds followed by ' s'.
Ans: 1 h 19 min 10 s
